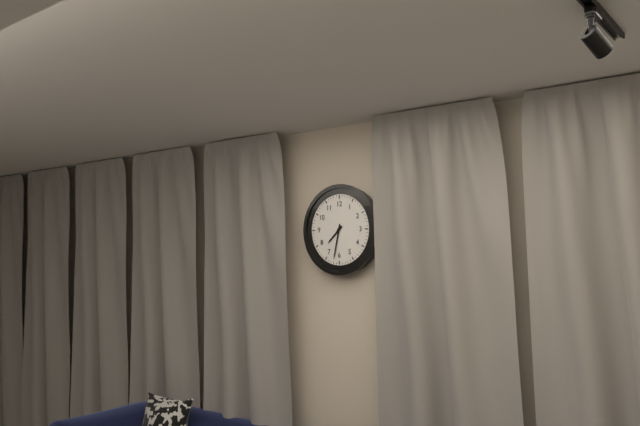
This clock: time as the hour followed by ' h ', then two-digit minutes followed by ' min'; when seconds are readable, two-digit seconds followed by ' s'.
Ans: 7 h 32 min
